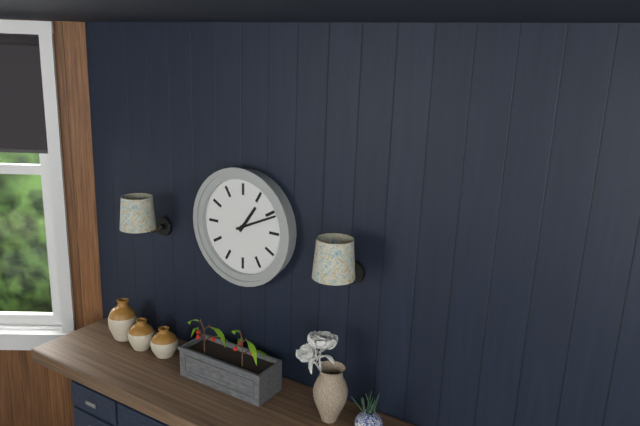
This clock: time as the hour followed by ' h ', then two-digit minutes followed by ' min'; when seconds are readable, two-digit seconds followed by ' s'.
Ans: 1 h 11 min
